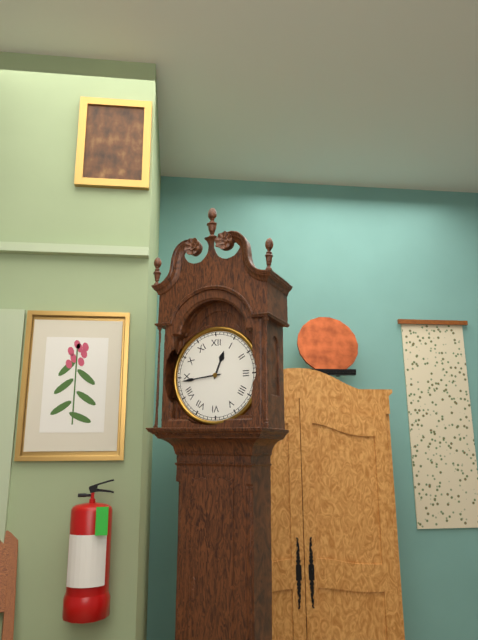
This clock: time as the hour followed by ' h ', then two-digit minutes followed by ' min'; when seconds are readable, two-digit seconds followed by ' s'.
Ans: 12 h 44 min
